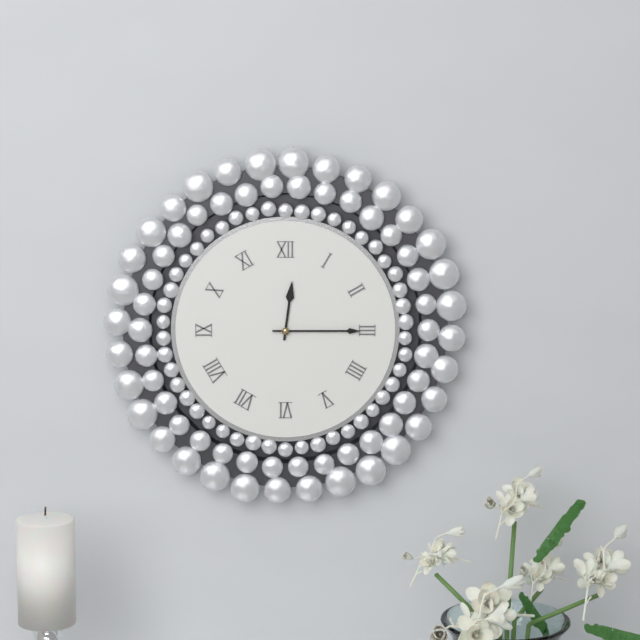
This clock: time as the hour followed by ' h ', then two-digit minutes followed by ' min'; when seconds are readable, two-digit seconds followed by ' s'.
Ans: 12 h 15 min
